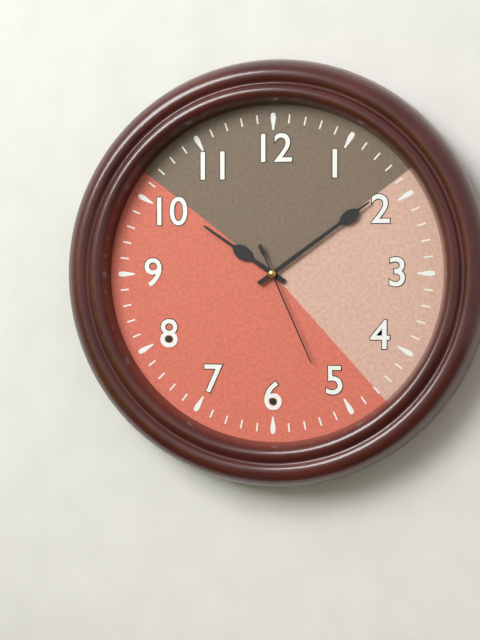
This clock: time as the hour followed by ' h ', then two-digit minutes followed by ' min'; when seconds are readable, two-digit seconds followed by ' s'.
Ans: 10 h 09 min 26 s
